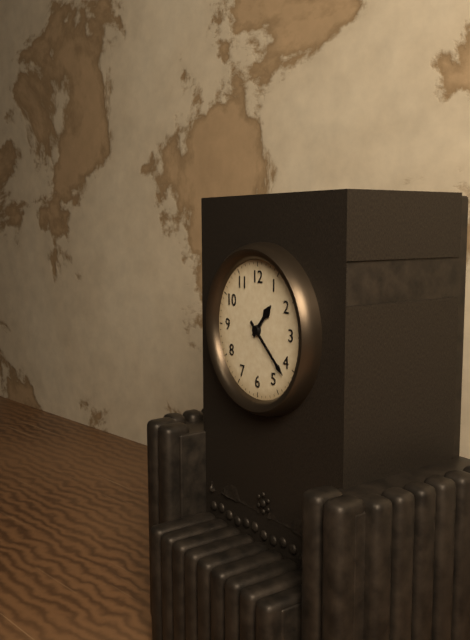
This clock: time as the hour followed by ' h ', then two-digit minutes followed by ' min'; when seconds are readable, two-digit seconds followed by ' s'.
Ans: 1 h 22 min
